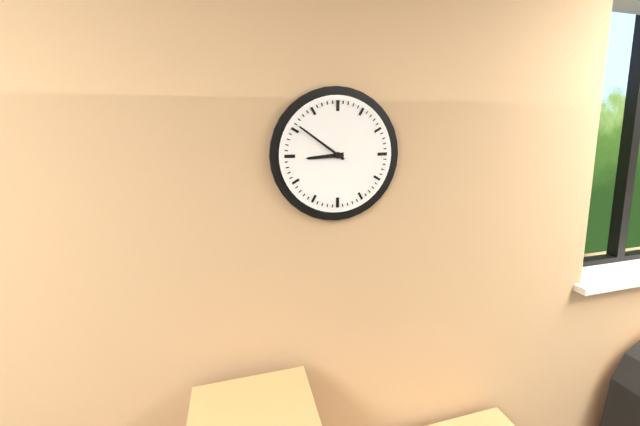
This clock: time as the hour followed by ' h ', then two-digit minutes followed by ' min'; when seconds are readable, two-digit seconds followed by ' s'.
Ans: 8 h 51 min
